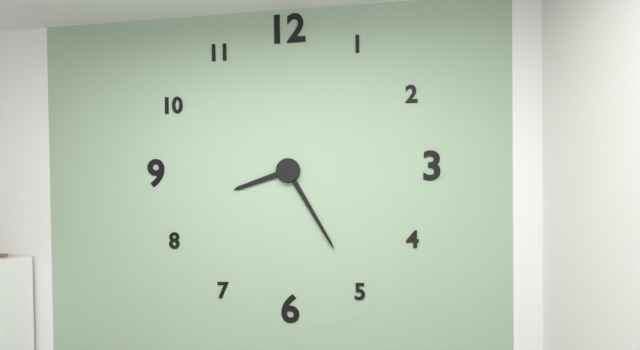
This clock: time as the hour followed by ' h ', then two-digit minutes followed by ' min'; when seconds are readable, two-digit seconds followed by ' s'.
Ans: 8 h 25 min
